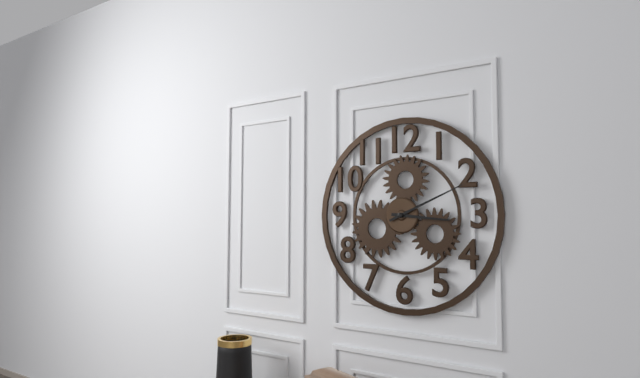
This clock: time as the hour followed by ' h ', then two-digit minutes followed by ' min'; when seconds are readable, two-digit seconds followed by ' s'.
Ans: 3 h 11 min
